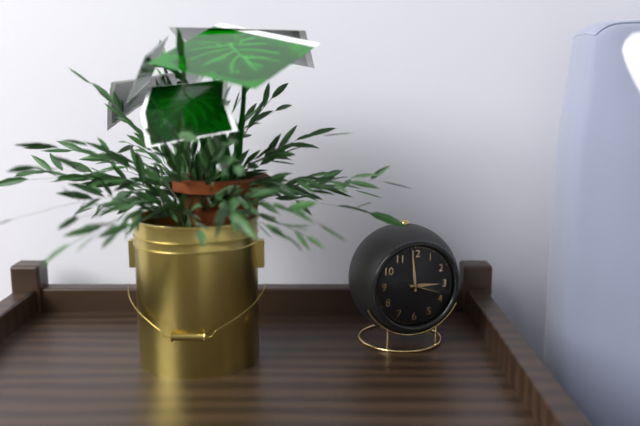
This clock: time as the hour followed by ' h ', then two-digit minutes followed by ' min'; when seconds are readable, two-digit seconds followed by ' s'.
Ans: 2 h 59 min
